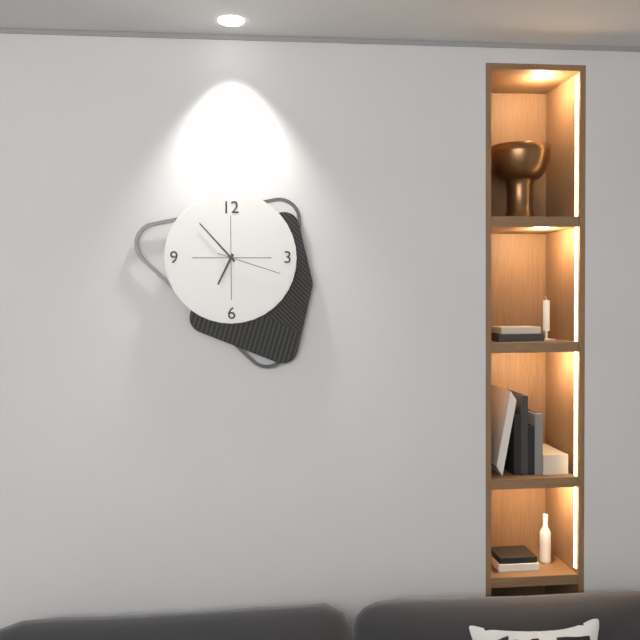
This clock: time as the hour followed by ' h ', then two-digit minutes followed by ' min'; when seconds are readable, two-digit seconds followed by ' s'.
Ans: 6 h 53 min 18 s
